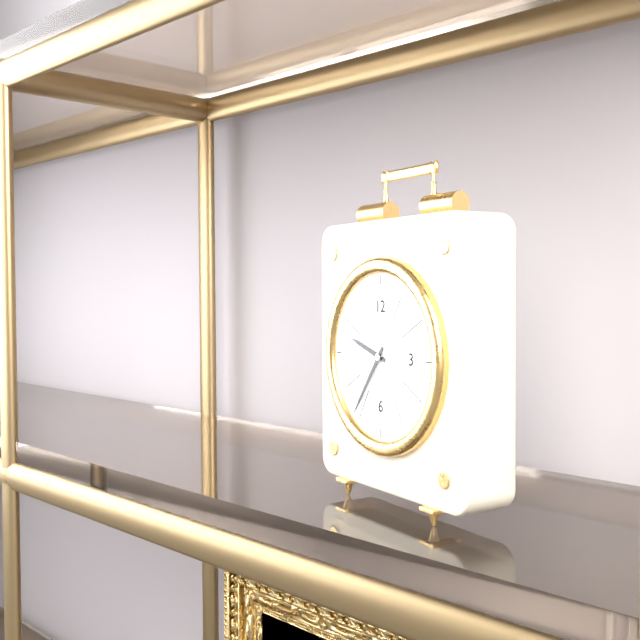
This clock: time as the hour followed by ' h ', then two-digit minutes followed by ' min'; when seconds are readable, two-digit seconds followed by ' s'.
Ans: 9 h 36 min
